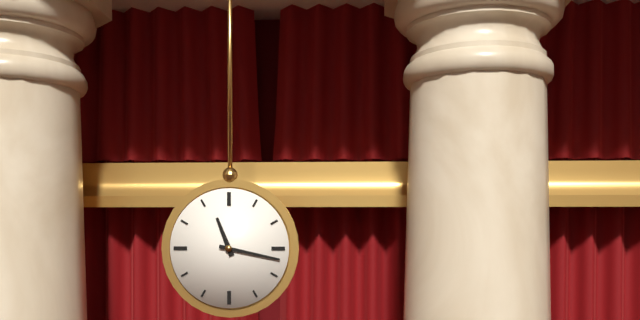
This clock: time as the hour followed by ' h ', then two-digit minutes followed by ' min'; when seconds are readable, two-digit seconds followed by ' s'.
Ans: 11 h 17 min
